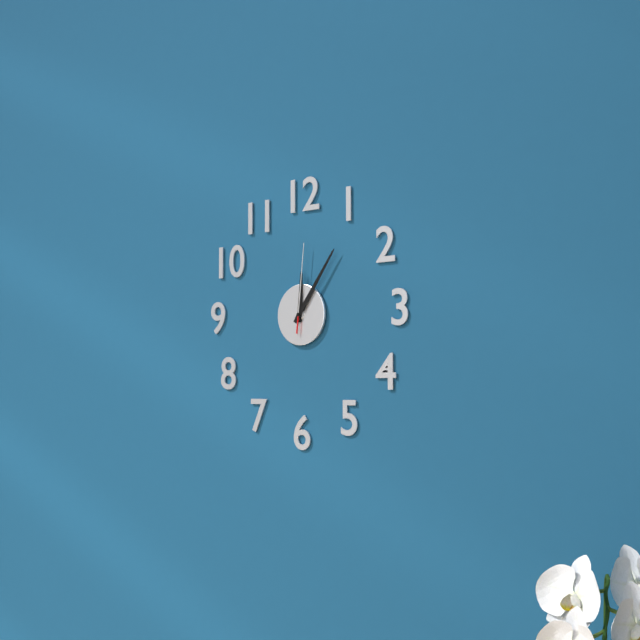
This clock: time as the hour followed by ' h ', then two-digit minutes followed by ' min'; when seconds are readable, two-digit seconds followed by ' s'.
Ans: 12 h 06 min 01 s
